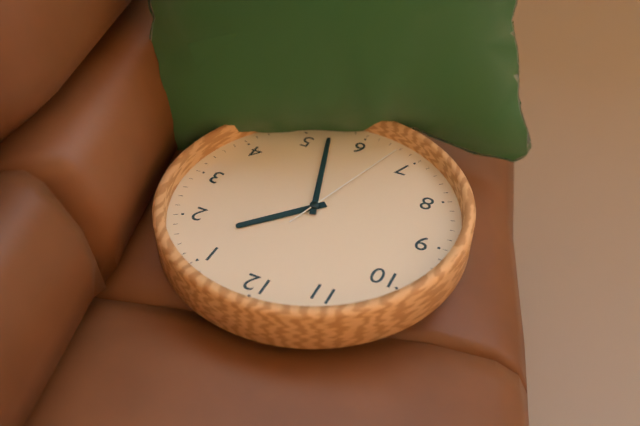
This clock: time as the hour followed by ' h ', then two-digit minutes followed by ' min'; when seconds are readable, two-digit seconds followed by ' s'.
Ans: 1 h 27 min 33 s
